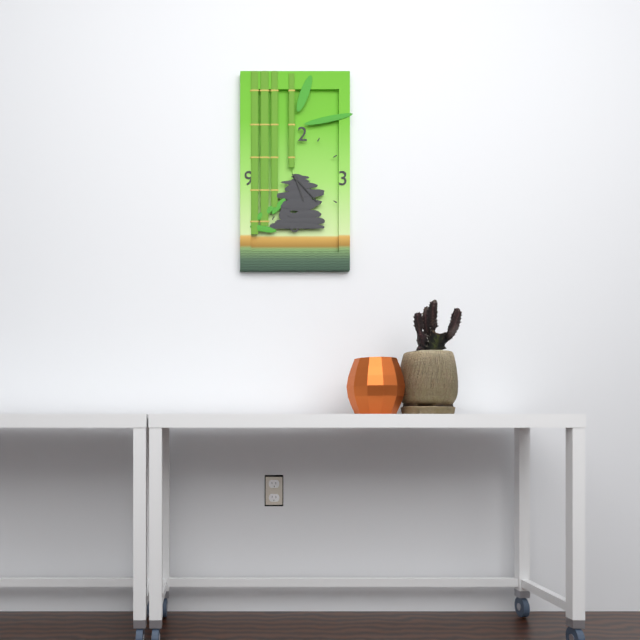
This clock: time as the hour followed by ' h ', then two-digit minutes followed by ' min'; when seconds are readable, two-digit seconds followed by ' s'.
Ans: 5 h 23 min
